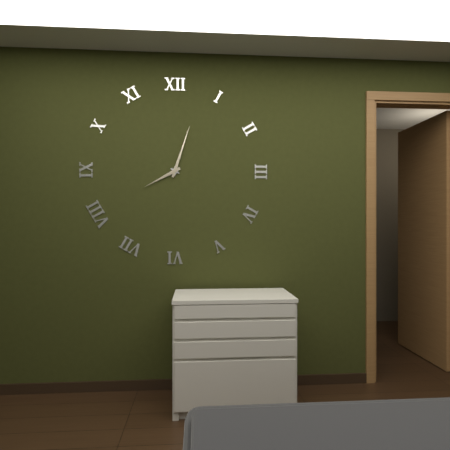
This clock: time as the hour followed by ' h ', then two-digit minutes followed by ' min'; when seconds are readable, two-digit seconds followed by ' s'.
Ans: 8 h 03 min
